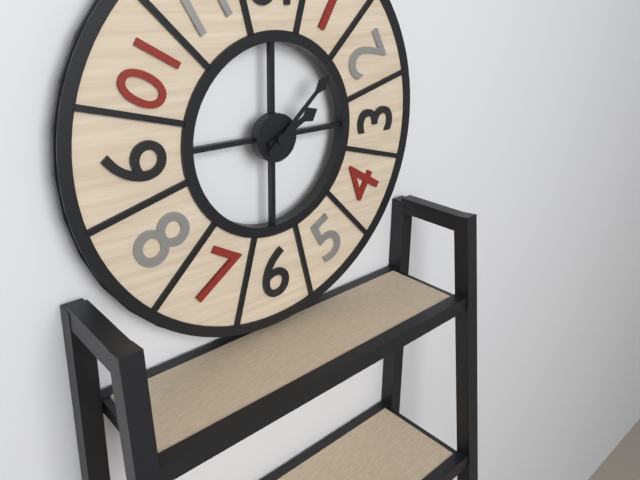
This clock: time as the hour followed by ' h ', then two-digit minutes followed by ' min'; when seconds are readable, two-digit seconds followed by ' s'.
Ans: 2 h 08 min
